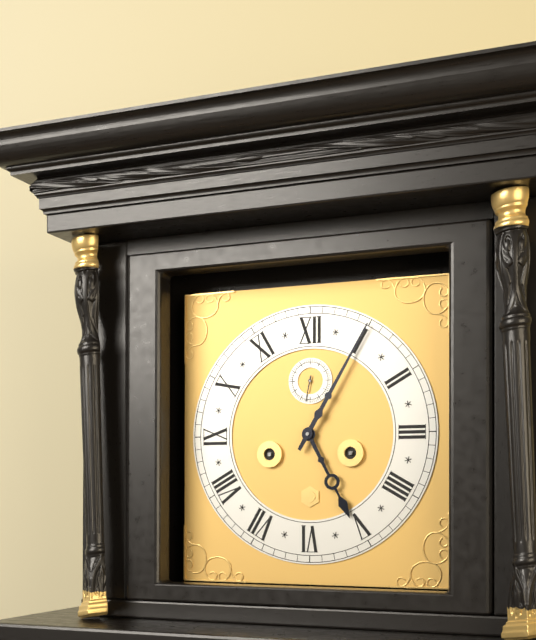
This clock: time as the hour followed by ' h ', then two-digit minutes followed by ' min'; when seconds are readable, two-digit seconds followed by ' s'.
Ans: 5 h 05 min
